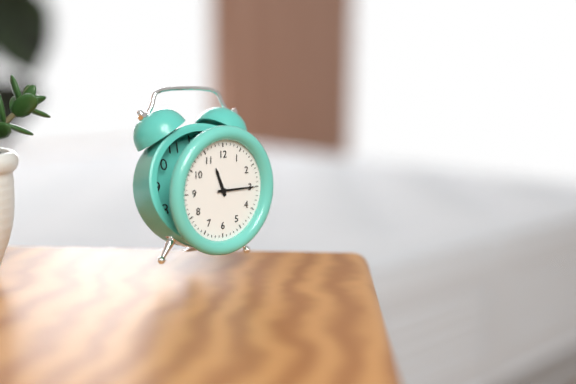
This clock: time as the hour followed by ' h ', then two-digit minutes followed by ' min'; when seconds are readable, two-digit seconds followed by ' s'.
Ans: 11 h 15 min
